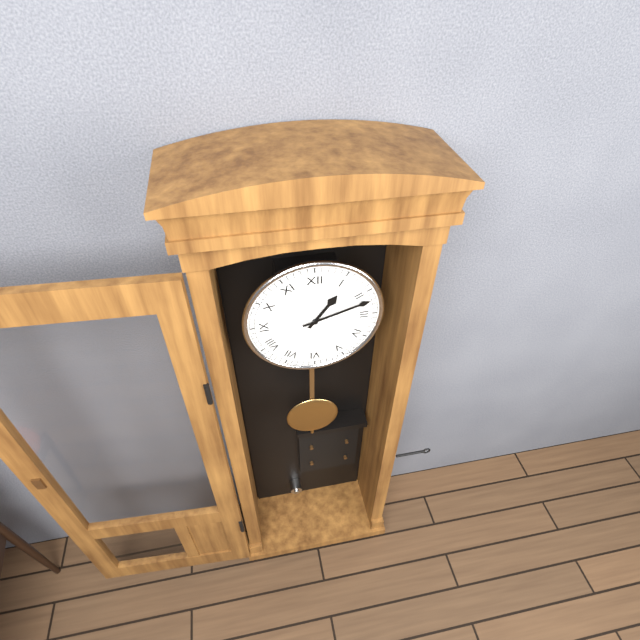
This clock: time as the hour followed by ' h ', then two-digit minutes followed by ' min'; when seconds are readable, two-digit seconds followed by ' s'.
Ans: 1 h 12 min
